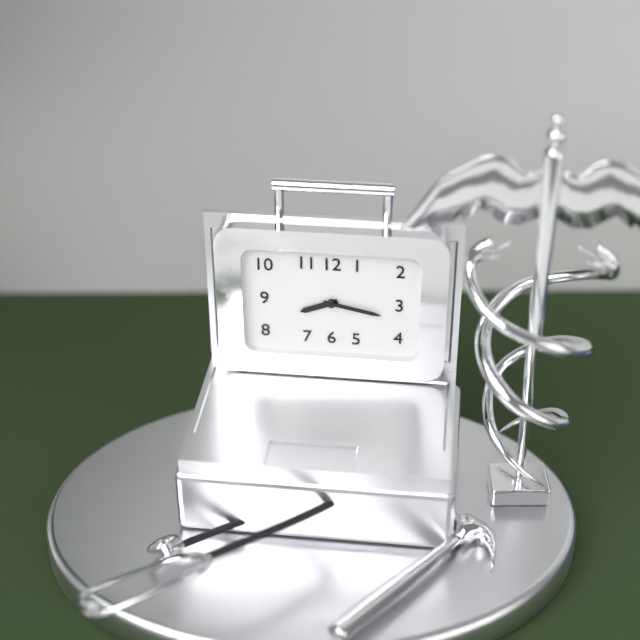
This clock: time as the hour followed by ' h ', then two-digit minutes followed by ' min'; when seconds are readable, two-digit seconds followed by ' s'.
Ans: 8 h 17 min
